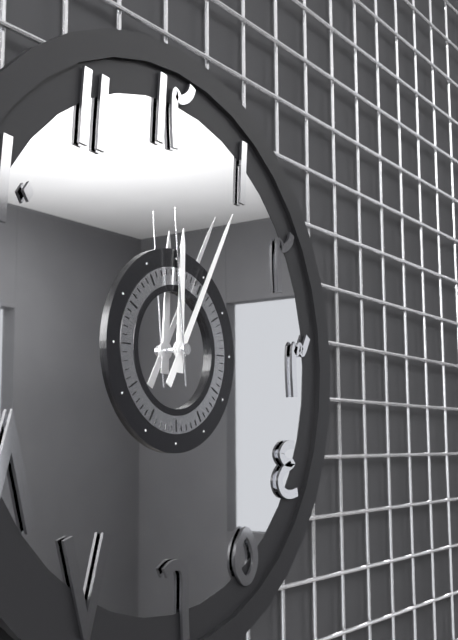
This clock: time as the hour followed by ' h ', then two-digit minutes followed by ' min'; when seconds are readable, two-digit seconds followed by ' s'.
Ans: 12 h 05 min 59 s
